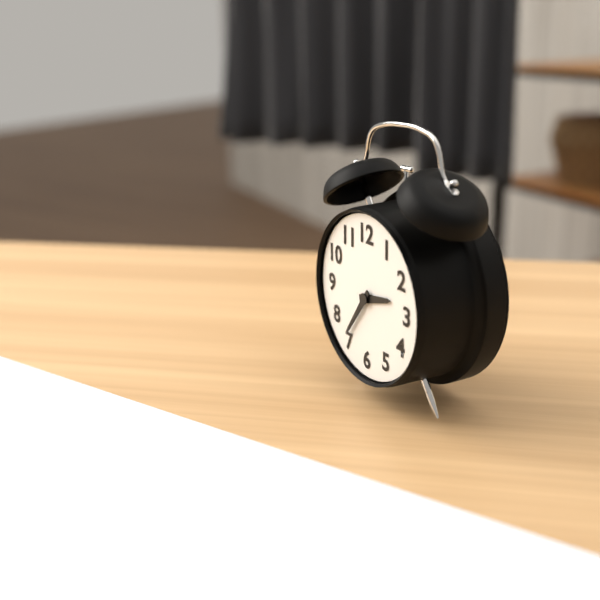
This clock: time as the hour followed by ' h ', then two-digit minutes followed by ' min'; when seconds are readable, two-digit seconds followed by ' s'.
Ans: 2 h 36 min
